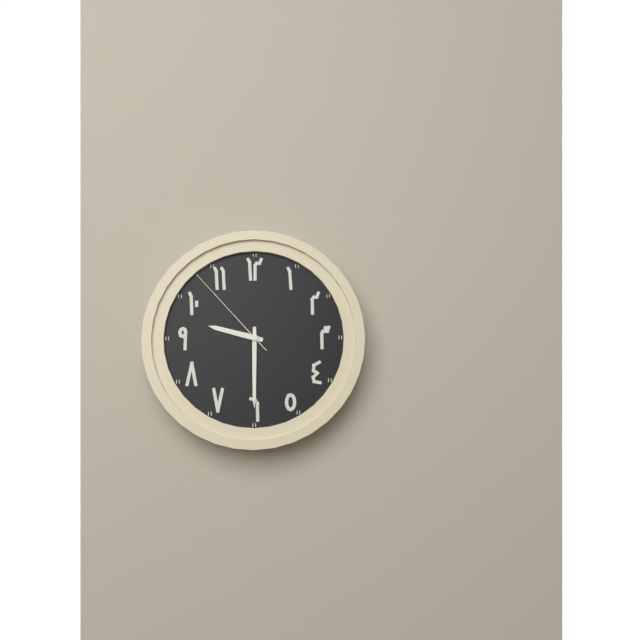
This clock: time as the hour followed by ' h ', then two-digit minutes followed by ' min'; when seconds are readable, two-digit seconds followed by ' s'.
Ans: 9 h 30 min 53 s
